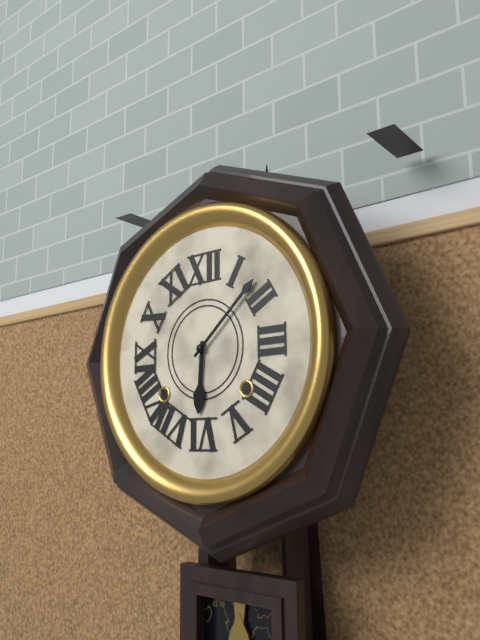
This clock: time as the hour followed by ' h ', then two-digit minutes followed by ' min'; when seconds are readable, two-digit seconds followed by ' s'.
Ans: 6 h 08 min
